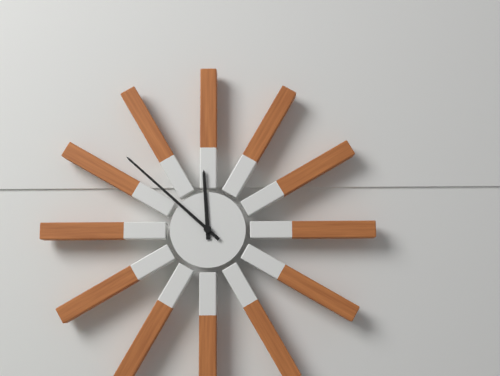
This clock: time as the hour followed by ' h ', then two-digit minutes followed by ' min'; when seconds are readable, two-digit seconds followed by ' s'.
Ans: 11 h 52 min
